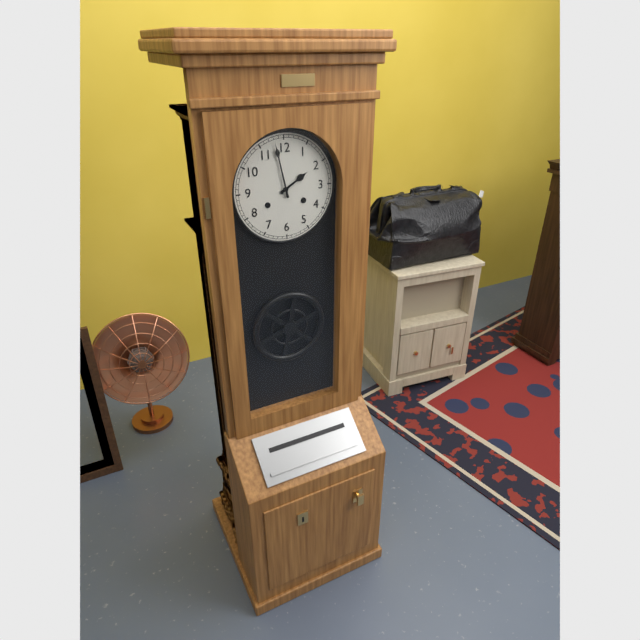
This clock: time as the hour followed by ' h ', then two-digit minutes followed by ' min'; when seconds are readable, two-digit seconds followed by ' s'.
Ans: 1 h 58 min
